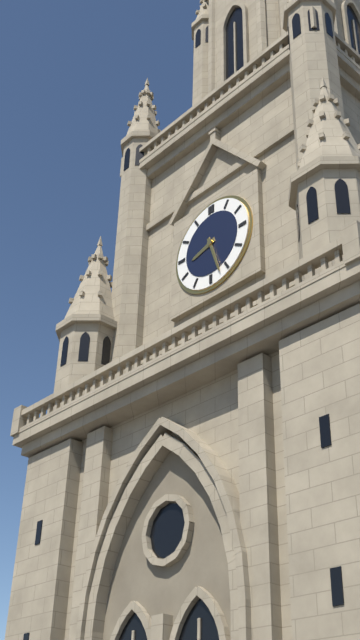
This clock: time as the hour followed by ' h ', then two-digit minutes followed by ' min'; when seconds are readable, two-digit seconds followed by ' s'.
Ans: 8 h 27 min
